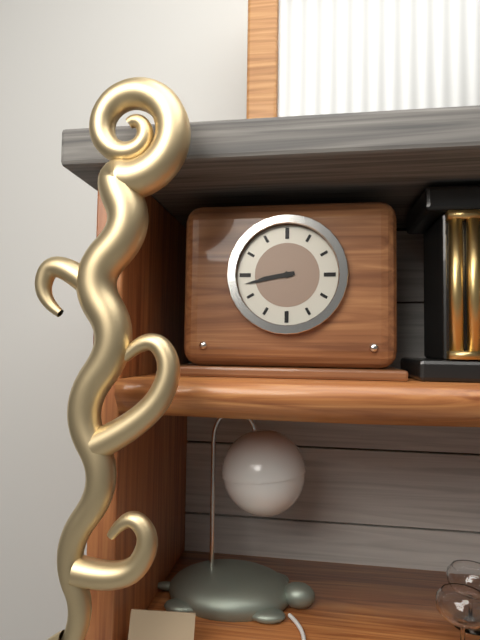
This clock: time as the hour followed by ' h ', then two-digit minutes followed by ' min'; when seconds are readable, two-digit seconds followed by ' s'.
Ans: 8 h 43 min
